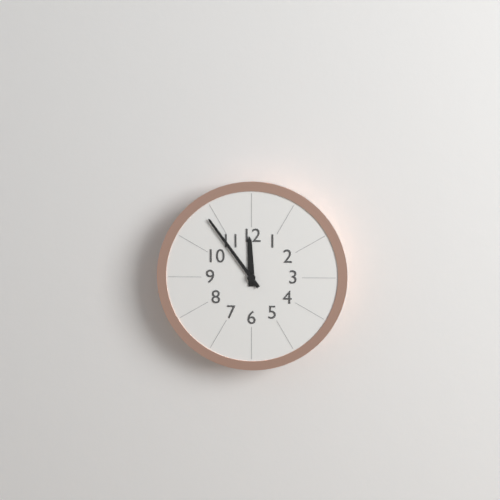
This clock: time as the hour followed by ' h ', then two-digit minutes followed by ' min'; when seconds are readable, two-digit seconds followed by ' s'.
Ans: 11 h 54 min
